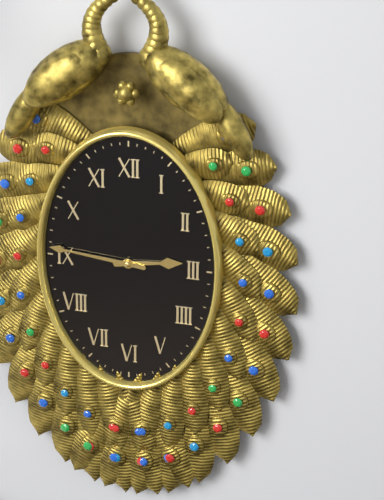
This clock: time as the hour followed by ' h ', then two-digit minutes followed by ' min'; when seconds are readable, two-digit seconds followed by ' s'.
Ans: 2 h 46 min
